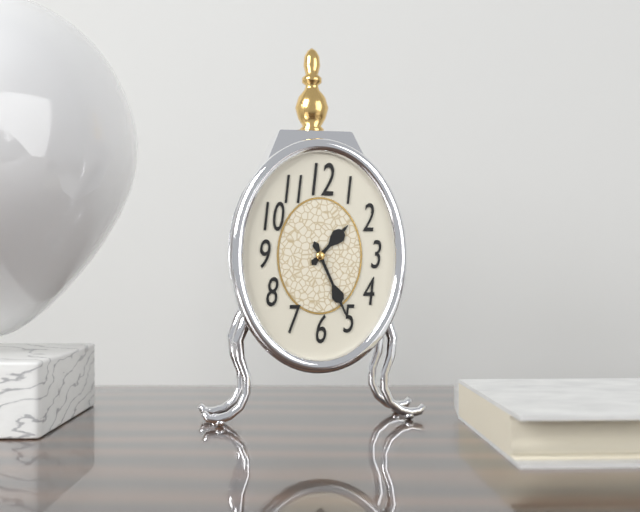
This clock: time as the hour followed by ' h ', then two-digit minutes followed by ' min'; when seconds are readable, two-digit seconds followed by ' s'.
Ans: 1 h 26 min
